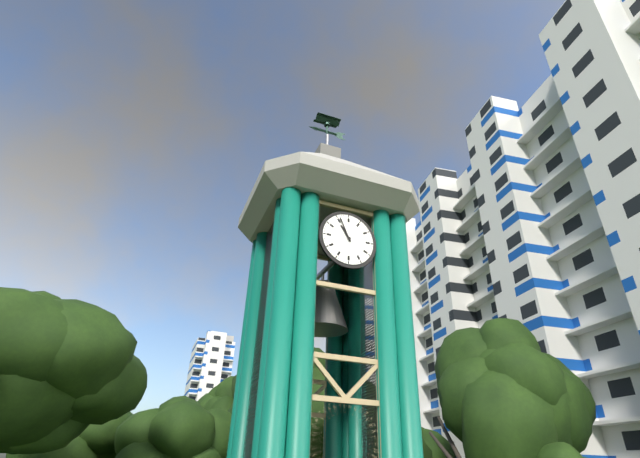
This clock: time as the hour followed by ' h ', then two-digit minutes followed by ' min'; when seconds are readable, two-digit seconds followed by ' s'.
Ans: 10 h 56 min
